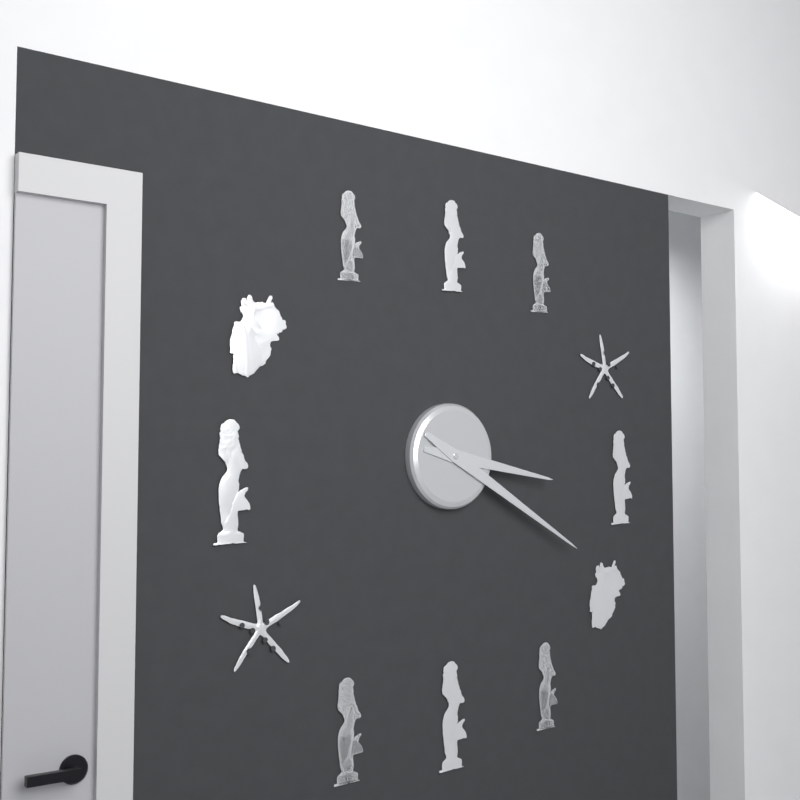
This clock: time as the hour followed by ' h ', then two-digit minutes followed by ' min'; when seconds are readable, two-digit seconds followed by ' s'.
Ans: 3 h 20 min
